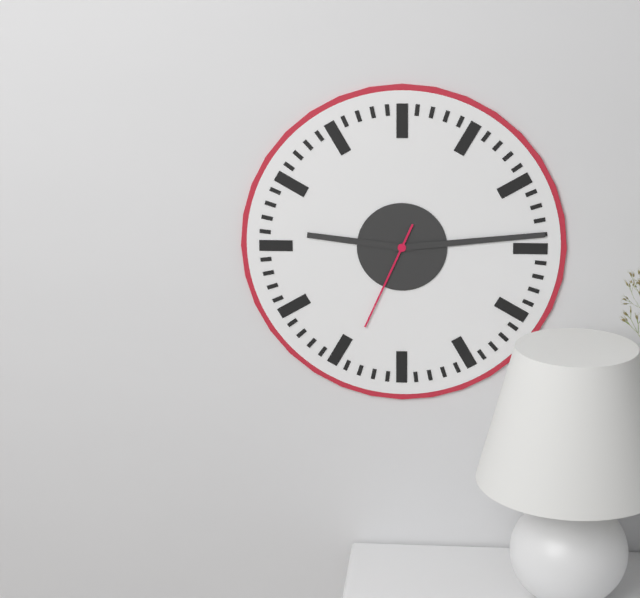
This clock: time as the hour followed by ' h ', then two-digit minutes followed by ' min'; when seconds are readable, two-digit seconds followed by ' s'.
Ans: 9 h 14 min 34 s
